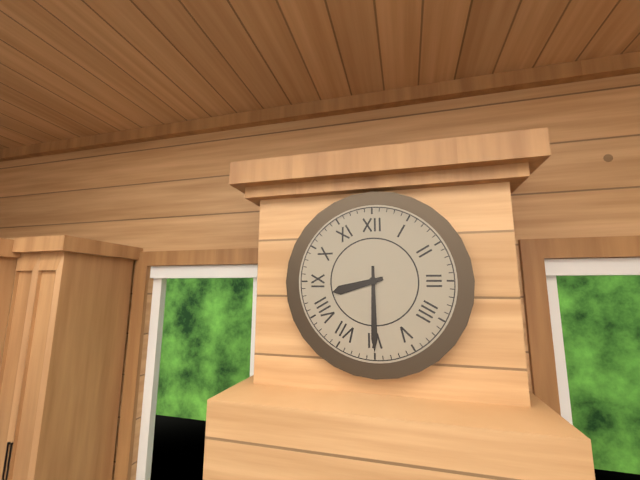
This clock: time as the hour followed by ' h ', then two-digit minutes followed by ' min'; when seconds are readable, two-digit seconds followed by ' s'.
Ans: 8 h 30 min
